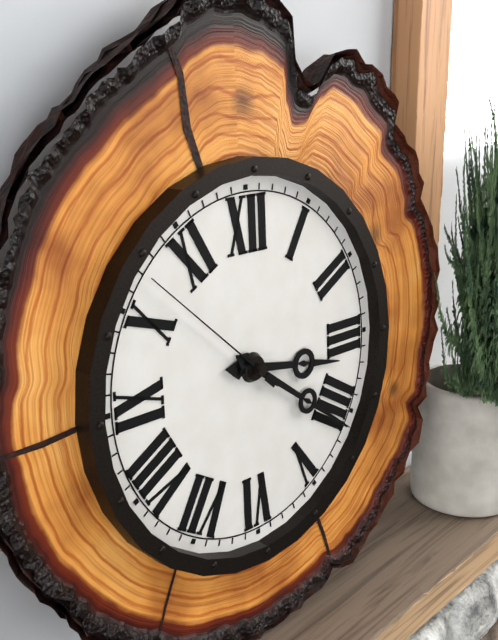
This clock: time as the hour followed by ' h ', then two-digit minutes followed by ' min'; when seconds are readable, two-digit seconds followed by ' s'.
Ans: 3 h 21 min 52 s
